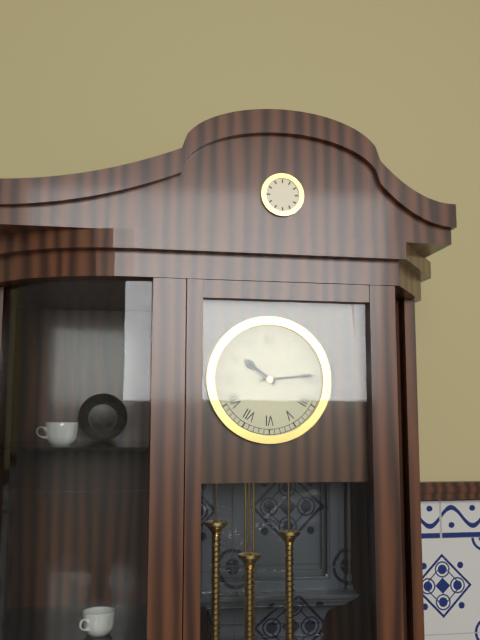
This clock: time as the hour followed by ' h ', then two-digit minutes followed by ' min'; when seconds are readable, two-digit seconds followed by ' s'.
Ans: 10 h 14 min
